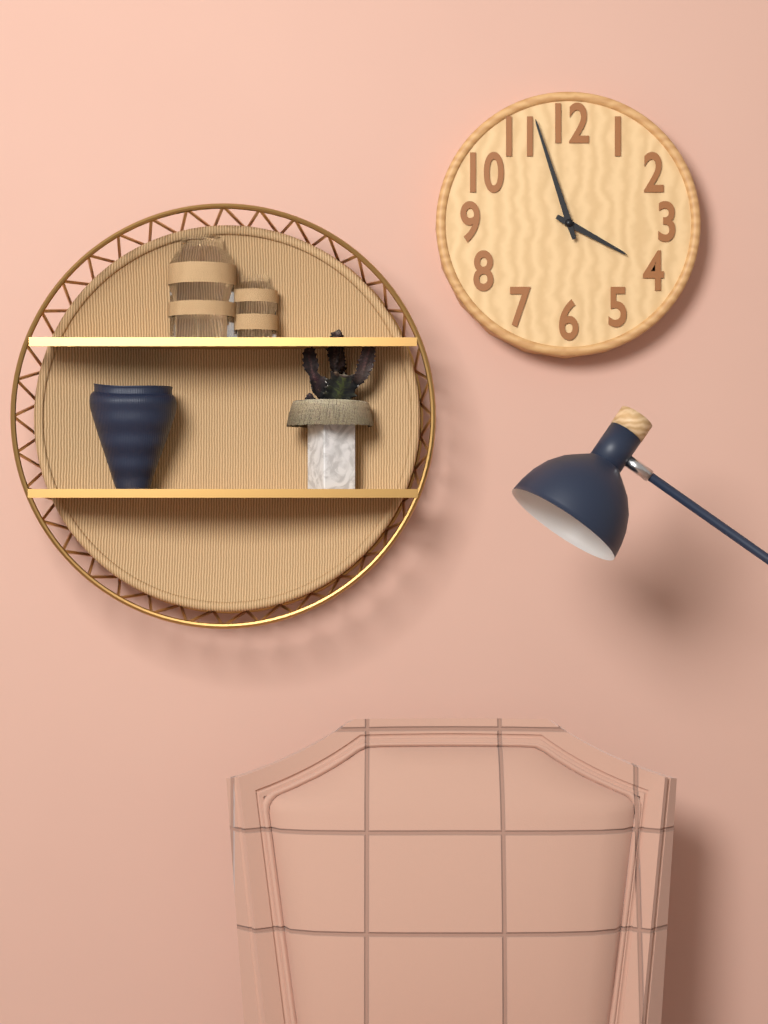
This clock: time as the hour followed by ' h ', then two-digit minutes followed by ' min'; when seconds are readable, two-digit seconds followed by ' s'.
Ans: 3 h 57 min
